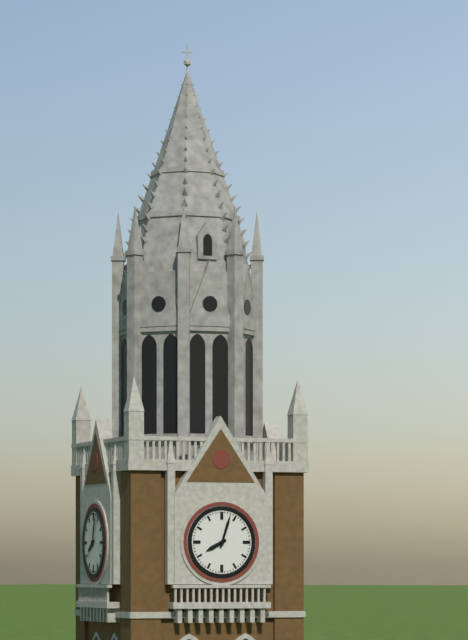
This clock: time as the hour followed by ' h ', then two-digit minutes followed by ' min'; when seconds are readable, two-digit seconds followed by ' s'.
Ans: 8 h 03 min
